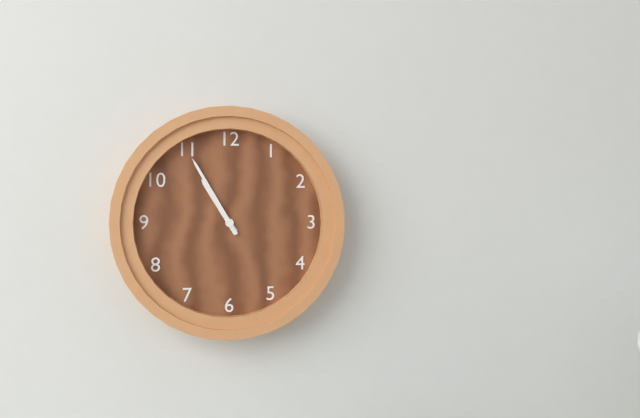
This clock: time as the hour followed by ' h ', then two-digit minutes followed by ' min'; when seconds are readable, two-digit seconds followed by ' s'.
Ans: 10 h 55 min
